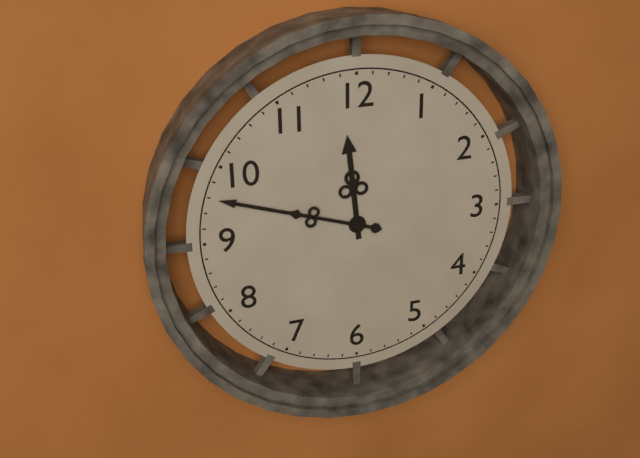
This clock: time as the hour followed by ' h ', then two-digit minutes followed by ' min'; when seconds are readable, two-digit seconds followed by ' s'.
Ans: 11 h 48 min
